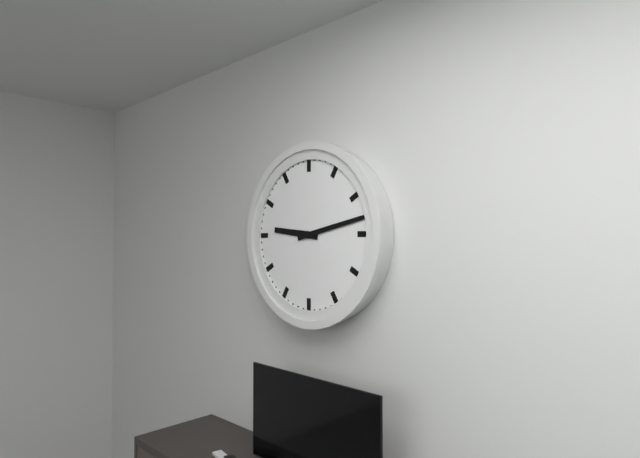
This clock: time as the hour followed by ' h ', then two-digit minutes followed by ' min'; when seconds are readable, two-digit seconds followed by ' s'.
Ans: 9 h 13 min
